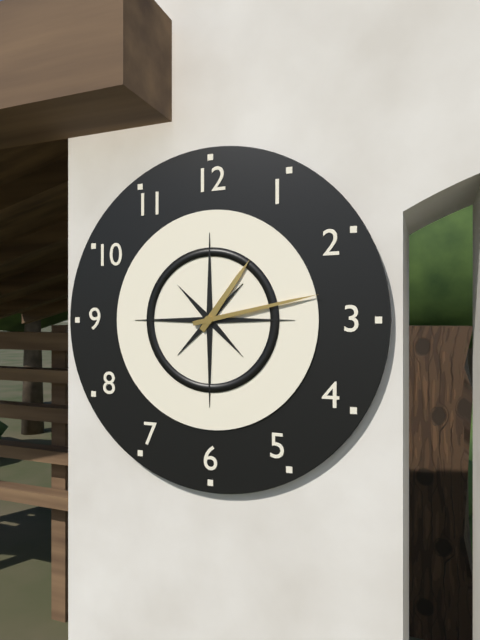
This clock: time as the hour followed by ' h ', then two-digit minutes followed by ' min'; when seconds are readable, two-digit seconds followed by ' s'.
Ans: 1 h 13 min
